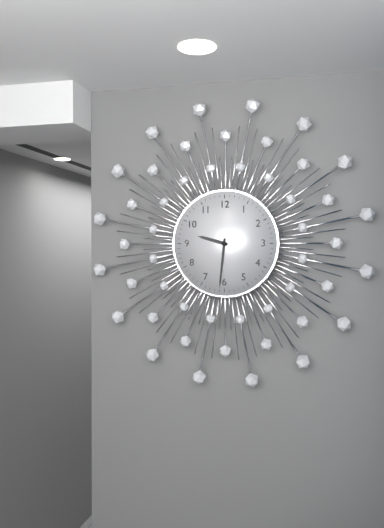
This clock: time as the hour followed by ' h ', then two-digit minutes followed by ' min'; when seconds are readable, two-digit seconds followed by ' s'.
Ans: 9 h 31 min
